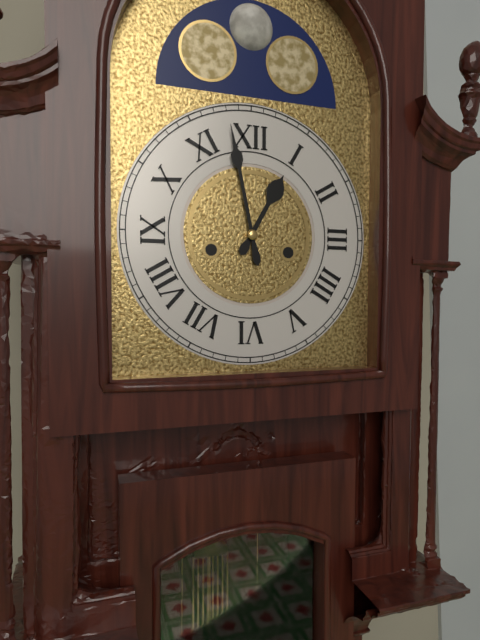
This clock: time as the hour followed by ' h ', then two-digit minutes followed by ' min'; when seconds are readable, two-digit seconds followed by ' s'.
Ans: 12 h 58 min
